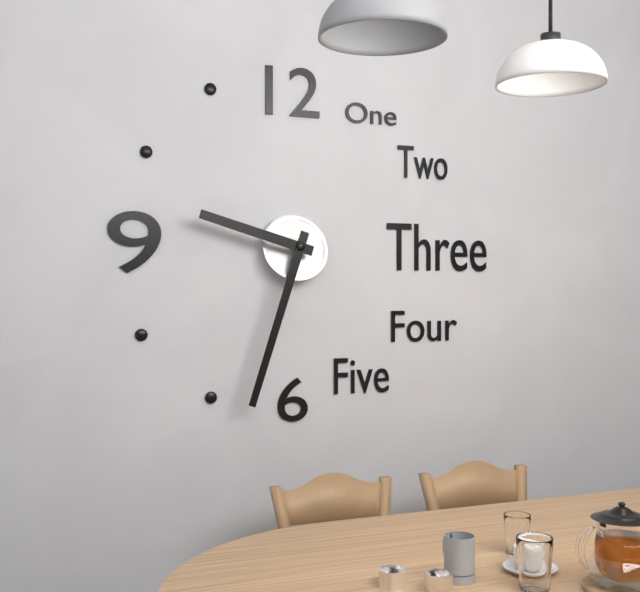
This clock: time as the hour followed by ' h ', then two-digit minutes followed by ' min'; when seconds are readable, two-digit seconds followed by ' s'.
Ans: 9 h 33 min
